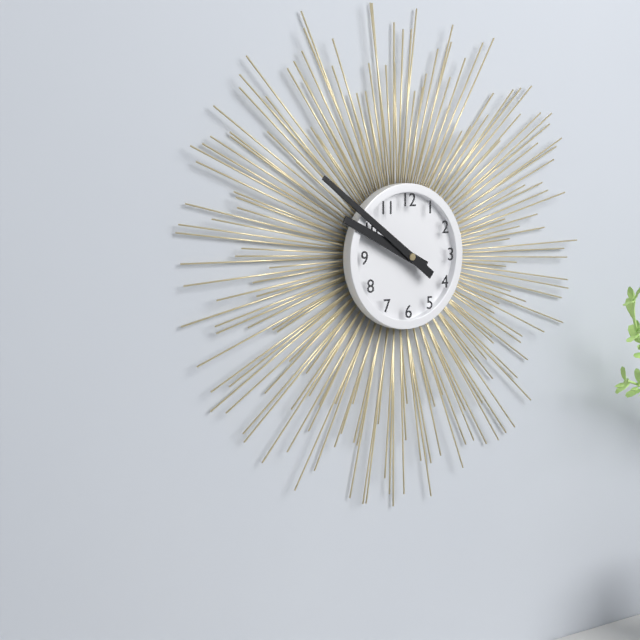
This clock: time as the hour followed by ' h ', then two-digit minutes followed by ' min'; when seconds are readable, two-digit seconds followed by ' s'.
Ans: 9 h 51 min
